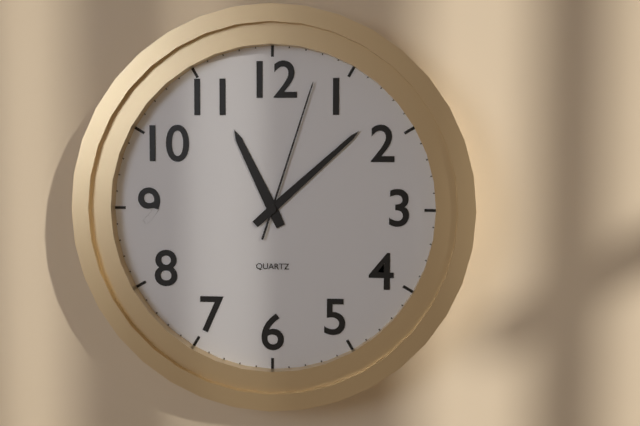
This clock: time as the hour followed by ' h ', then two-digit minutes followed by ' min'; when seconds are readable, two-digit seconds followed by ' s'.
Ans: 11 h 08 min 03 s
